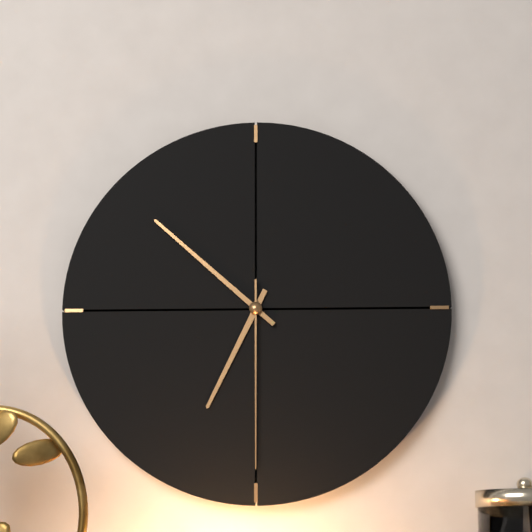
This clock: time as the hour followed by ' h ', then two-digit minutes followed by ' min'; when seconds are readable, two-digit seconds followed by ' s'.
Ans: 6 h 52 min 30 s
